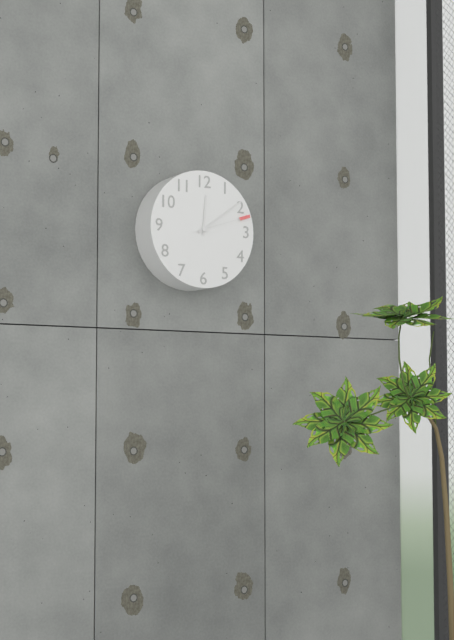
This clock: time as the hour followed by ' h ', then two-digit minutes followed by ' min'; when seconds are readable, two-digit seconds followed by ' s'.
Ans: 12 h 09 min 12 s
